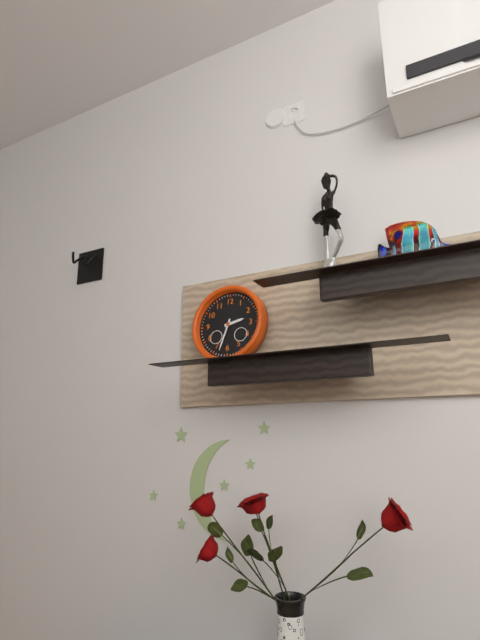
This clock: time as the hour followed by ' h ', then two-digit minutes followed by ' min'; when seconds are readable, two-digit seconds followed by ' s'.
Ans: 2 h 33 min
